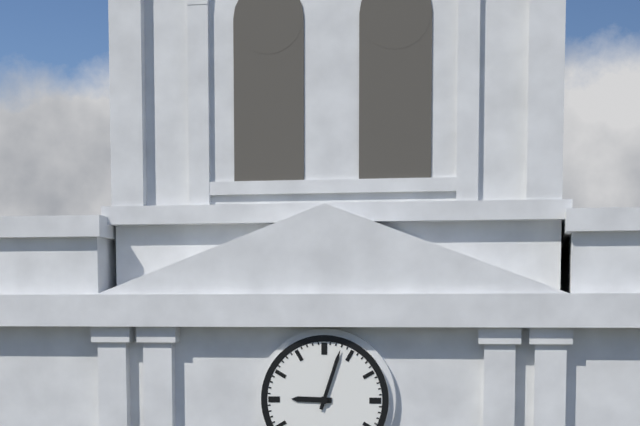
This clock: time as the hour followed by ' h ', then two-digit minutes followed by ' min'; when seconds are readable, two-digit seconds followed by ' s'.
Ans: 9 h 03 min
